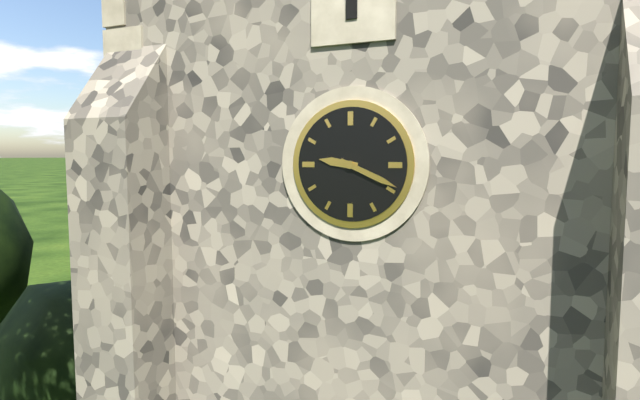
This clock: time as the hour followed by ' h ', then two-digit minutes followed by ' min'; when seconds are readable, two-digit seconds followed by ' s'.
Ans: 9 h 19 min
